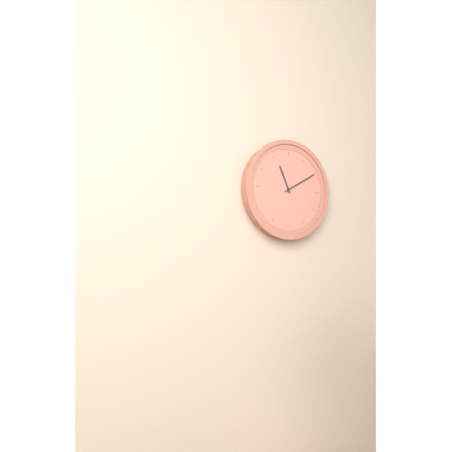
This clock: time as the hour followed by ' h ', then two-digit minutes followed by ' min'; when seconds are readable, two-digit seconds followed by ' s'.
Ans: 11 h 10 min
